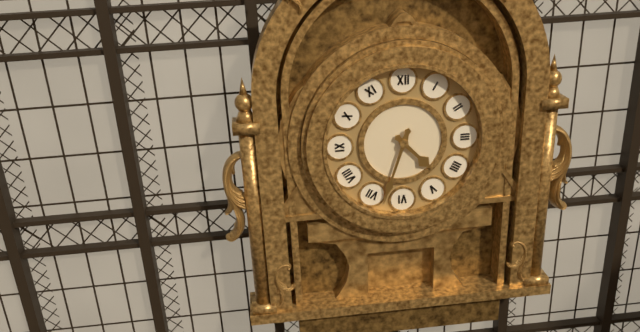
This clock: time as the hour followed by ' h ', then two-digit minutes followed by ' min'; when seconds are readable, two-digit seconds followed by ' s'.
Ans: 4 h 33 min
